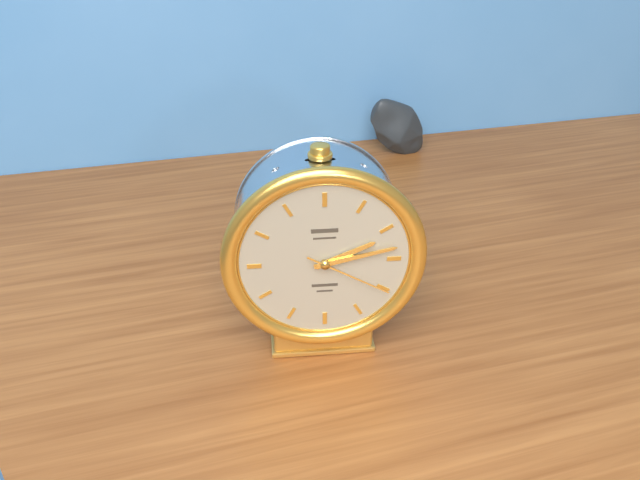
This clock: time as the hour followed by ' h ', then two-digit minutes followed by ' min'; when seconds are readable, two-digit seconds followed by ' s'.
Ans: 2 h 13 min 20 s
